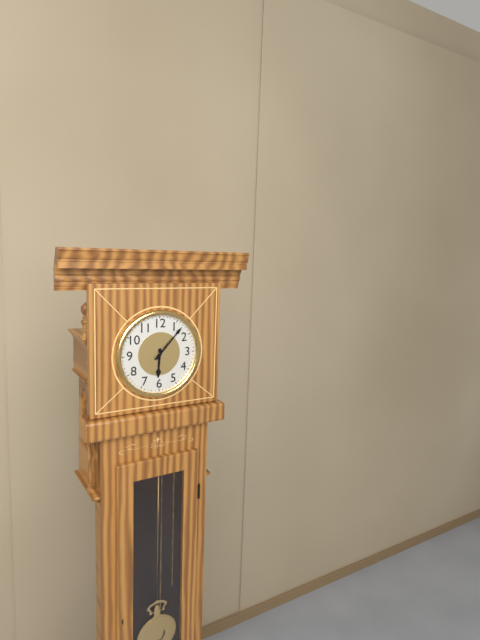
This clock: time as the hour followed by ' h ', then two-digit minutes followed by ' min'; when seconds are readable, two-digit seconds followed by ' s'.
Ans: 6 h 07 min
